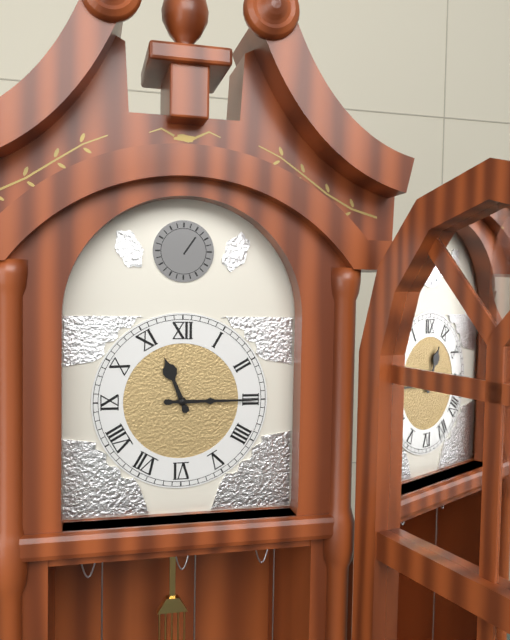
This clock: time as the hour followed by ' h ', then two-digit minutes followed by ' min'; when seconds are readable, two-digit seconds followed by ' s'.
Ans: 11 h 15 min
